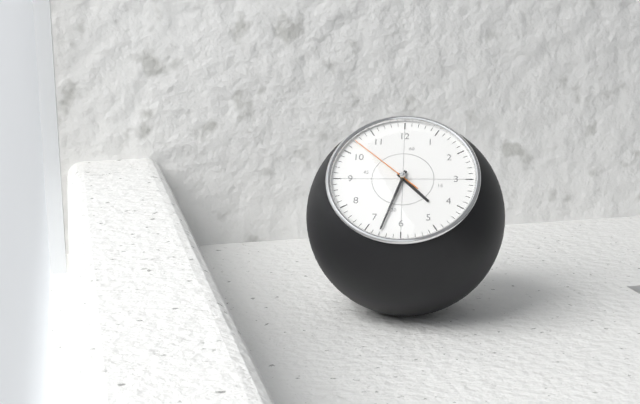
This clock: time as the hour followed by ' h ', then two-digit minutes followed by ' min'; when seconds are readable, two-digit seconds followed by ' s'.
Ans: 4 h 33 min 52 s
